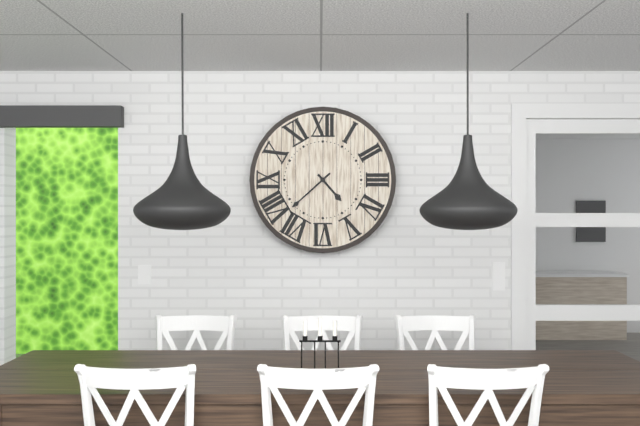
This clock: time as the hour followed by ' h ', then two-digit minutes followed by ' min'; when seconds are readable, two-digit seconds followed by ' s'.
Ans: 4 h 38 min
